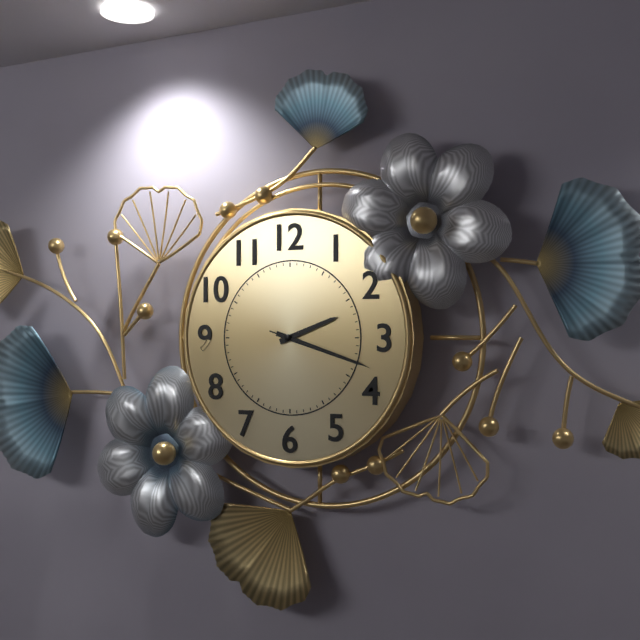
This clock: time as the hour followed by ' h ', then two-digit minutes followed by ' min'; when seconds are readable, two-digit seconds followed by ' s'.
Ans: 2 h 18 min 18 s
